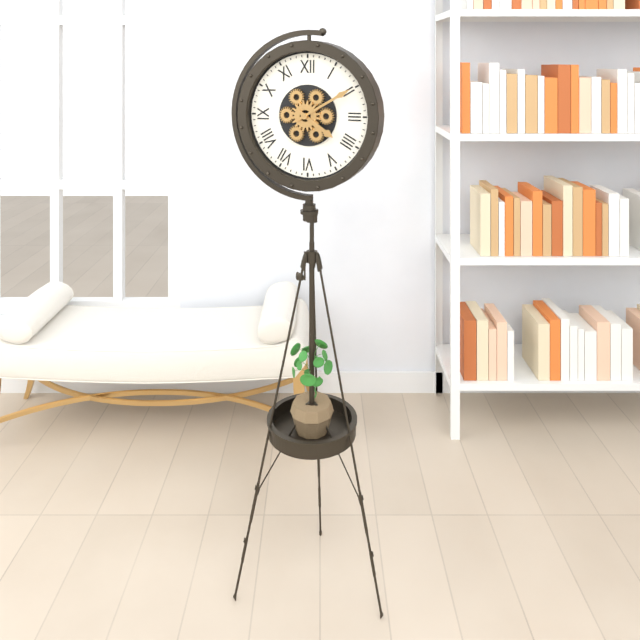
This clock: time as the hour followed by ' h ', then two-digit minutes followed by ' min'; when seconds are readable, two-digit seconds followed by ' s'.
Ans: 4 h 10 min
